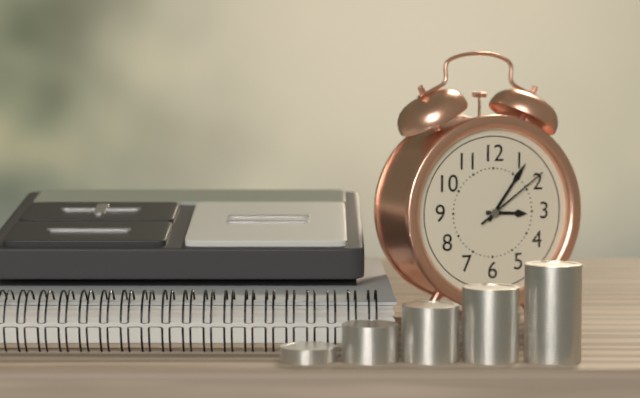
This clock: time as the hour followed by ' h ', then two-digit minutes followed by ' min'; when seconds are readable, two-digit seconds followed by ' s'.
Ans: 3 h 06 min 09 s
